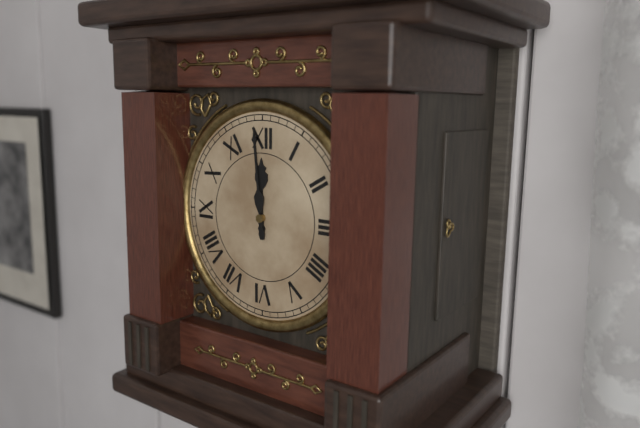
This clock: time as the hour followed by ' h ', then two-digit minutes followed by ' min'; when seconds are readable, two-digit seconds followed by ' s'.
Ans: 11 h 59 min
